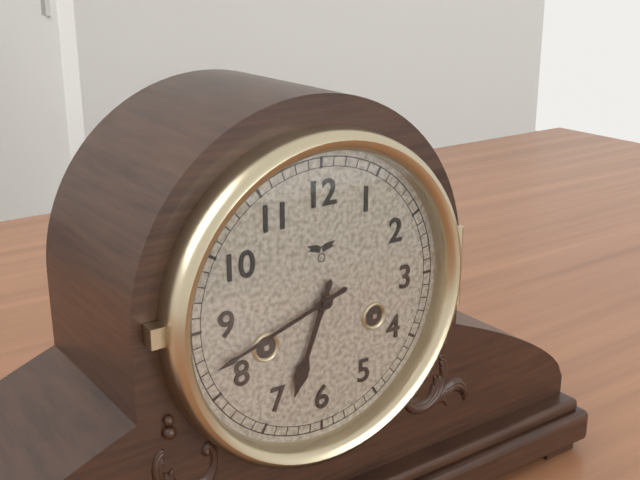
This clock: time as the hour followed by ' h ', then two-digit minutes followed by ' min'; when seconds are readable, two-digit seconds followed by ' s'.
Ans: 6 h 42 min
